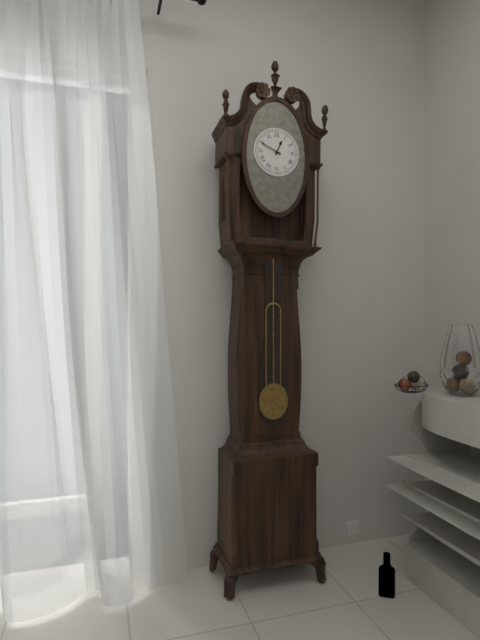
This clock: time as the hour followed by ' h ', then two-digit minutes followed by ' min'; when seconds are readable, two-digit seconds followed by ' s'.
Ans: 12 h 49 min
